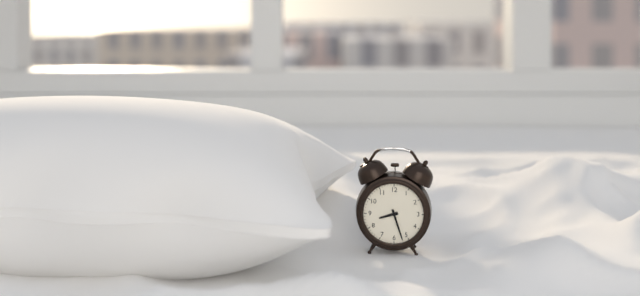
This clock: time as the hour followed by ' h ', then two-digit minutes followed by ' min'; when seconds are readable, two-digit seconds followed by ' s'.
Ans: 8 h 27 min
